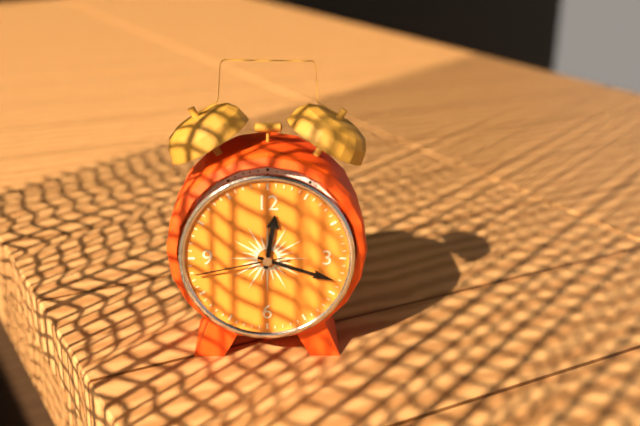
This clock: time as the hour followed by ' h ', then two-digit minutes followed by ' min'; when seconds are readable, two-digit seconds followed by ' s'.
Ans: 12 h 18 min 43 s
